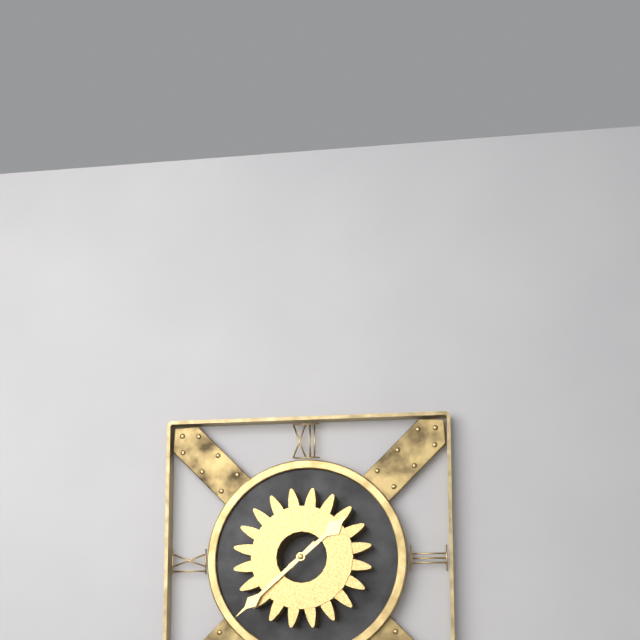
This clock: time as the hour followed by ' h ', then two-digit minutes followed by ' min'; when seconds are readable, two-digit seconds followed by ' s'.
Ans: 1 h 38 min
